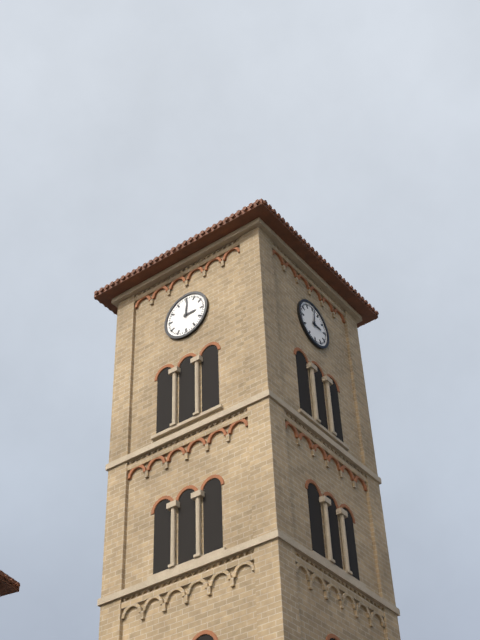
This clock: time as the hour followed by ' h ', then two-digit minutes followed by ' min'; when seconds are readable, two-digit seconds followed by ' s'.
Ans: 3 h 01 min
